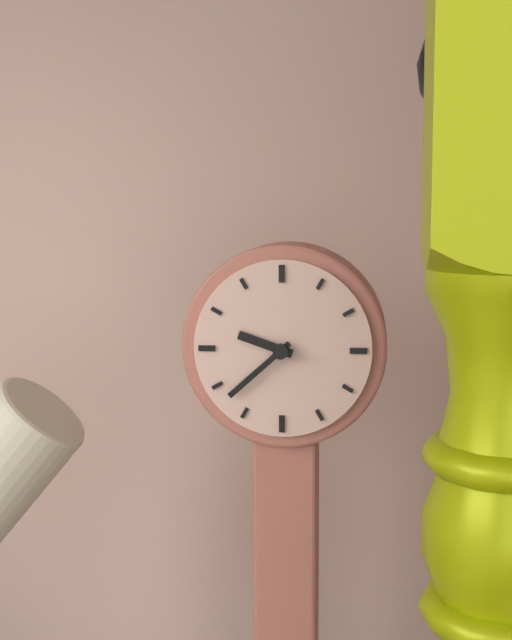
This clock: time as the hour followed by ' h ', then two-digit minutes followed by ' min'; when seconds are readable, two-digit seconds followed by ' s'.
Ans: 9 h 38 min
